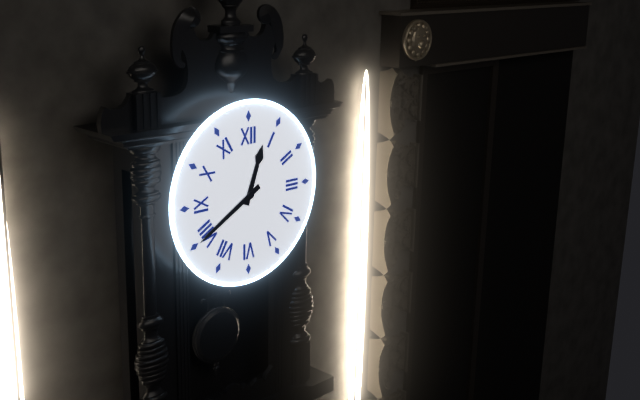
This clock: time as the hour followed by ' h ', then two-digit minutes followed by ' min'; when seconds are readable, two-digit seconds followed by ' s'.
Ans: 12 h 40 min
